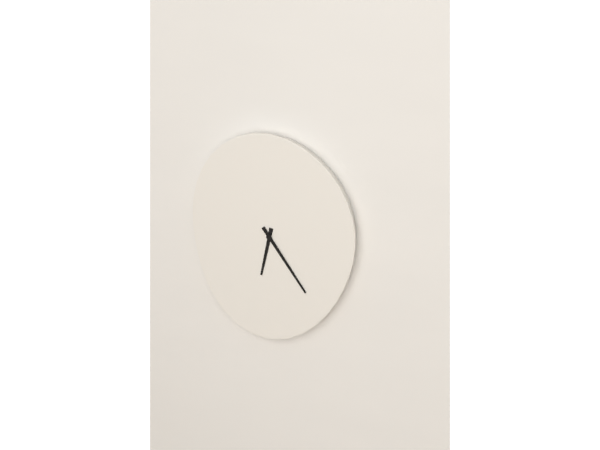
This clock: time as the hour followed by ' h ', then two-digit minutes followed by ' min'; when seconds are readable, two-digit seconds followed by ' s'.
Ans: 6 h 24 min
